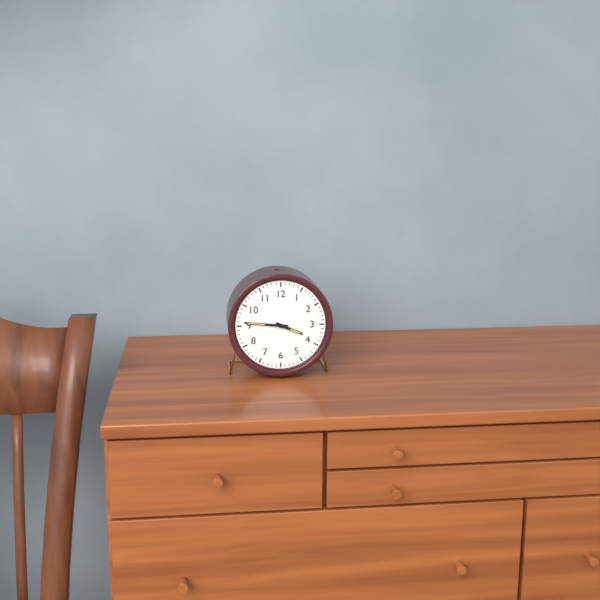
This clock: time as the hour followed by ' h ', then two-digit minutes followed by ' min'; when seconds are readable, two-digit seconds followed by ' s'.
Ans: 3 h 46 min
